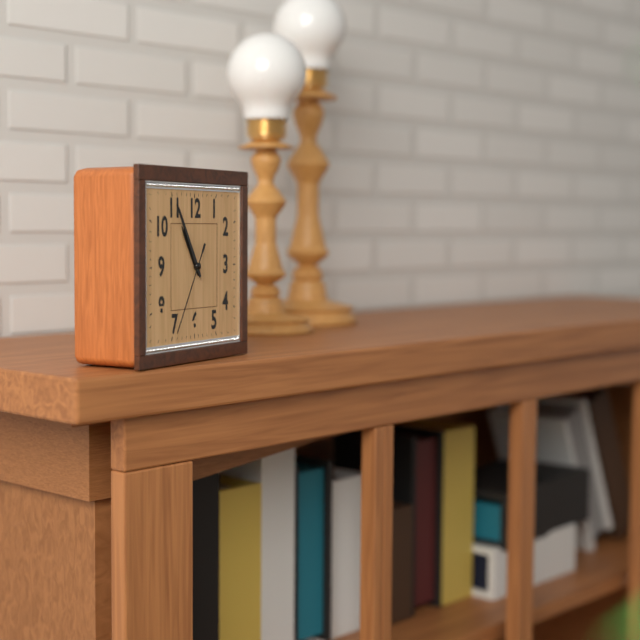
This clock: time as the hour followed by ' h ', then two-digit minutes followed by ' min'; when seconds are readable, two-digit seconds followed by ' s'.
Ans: 10 h 55 min 35 s
